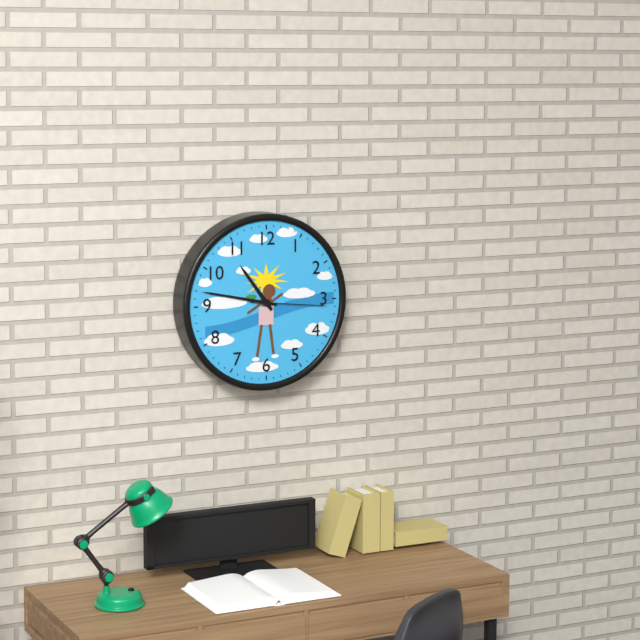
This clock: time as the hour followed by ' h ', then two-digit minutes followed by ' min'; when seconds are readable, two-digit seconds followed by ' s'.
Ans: 10 h 47 min 16 s
